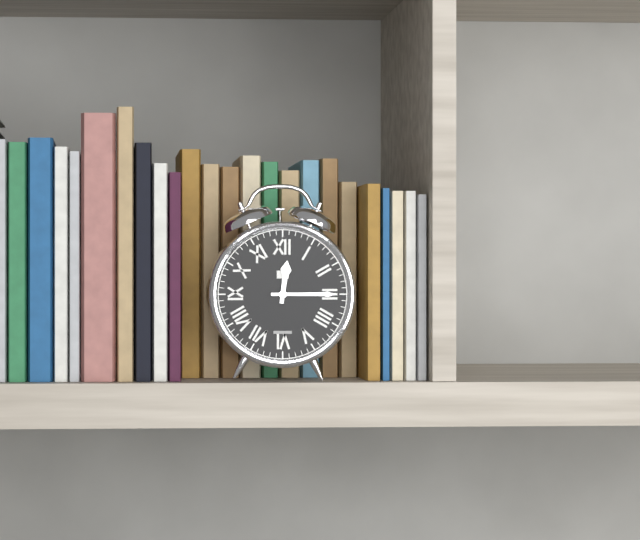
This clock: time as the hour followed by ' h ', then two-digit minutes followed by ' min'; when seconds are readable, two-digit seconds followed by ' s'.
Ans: 12 h 15 min
